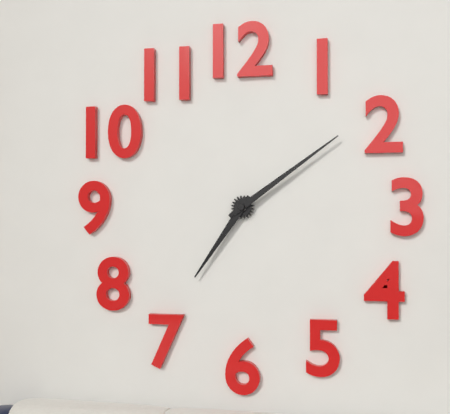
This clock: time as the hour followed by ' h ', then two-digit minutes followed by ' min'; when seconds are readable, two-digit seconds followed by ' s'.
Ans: 7 h 09 min
